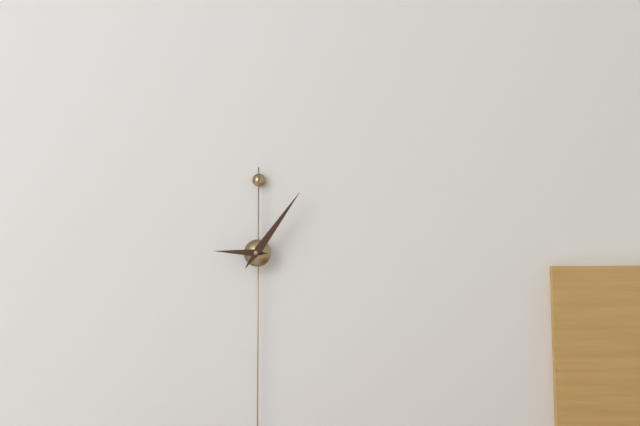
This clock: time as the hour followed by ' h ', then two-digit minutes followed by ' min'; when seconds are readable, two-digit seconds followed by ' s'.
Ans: 9 h 06 min
